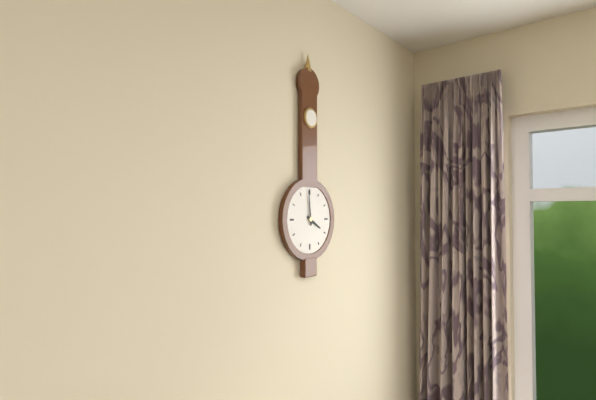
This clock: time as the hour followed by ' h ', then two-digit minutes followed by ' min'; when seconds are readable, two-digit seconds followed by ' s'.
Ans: 3 h 59 min
